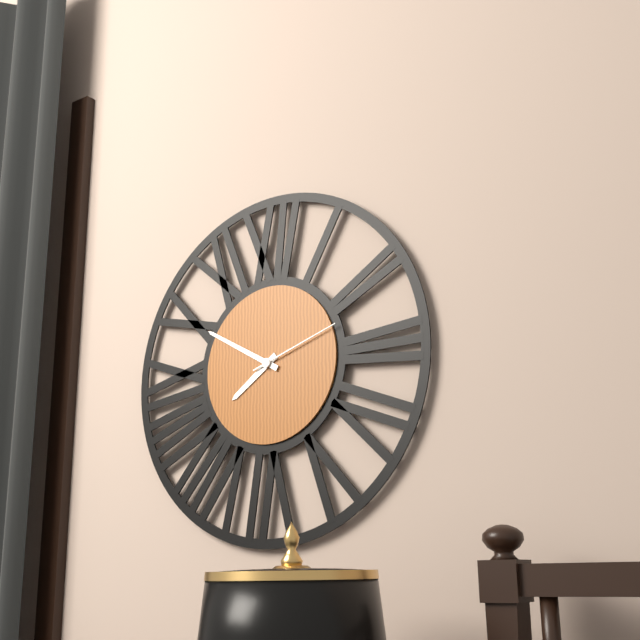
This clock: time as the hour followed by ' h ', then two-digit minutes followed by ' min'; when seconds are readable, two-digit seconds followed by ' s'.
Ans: 7 h 50 min 12 s
